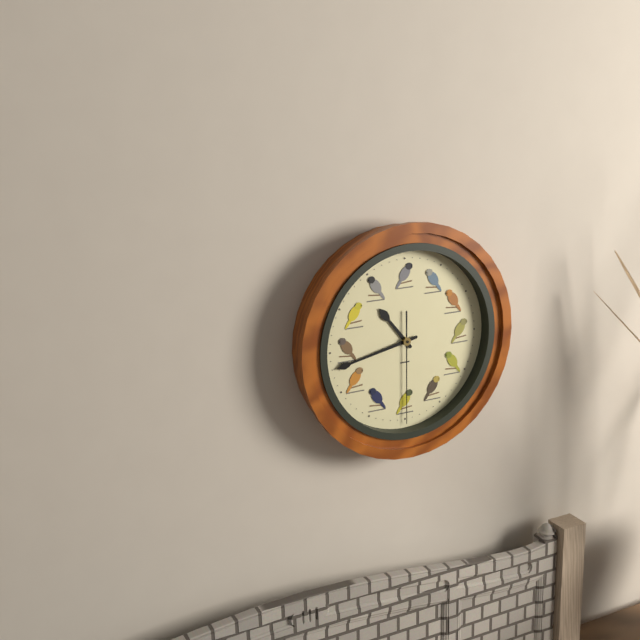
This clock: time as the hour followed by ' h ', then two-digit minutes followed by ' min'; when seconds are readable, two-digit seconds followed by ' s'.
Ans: 10 h 43 min 30 s
